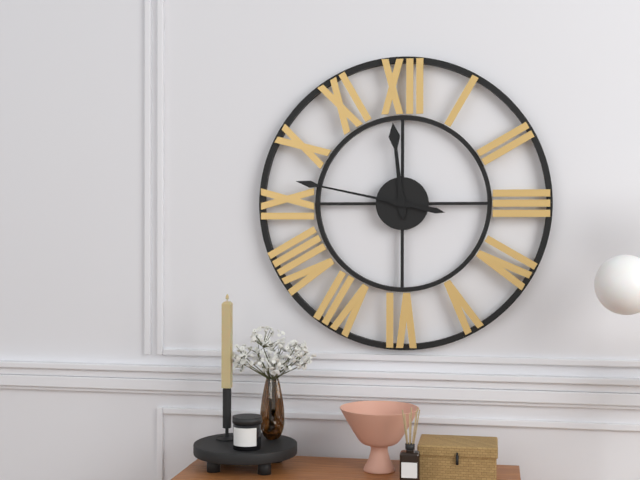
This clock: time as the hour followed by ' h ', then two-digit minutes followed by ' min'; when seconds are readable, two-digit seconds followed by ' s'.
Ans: 11 h 47 min
